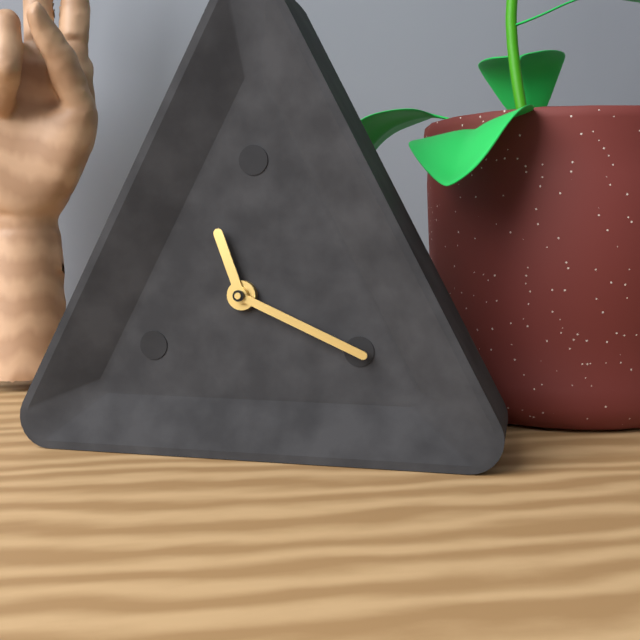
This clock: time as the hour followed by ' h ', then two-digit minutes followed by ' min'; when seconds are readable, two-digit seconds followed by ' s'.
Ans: 11 h 19 min
